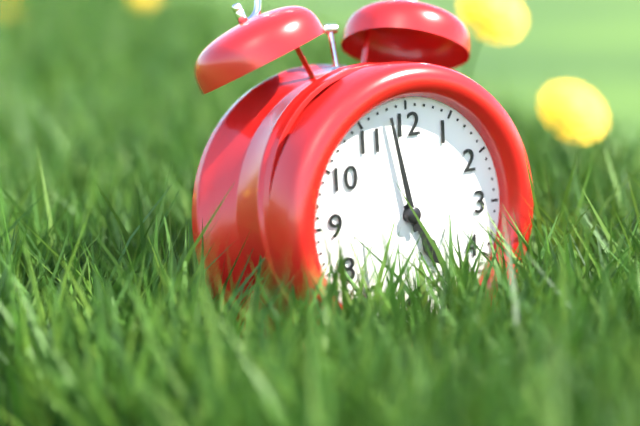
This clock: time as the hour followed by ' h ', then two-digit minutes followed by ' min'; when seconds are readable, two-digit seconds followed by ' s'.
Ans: 4 h 58 min
